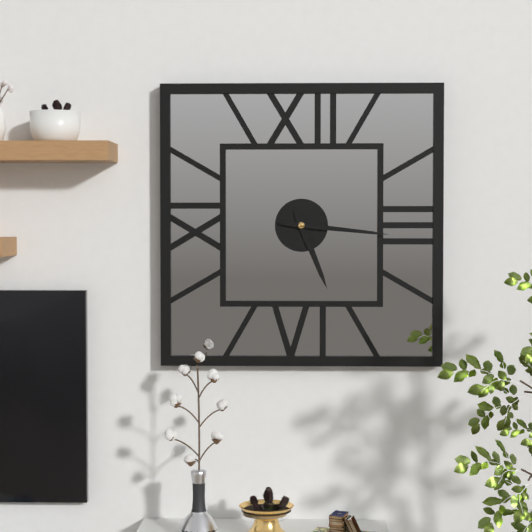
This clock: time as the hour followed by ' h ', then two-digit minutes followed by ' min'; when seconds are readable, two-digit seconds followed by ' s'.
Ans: 5 h 16 min
